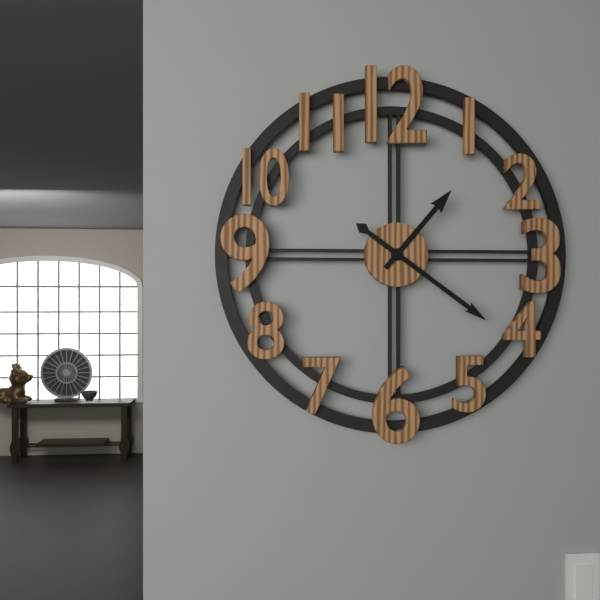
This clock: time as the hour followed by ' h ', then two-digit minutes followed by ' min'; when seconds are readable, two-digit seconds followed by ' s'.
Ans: 1 h 21 min
